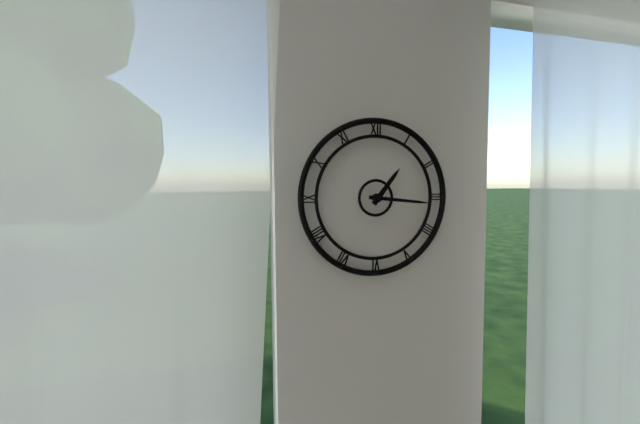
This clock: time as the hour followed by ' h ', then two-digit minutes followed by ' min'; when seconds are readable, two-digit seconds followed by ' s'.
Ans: 1 h 16 min
